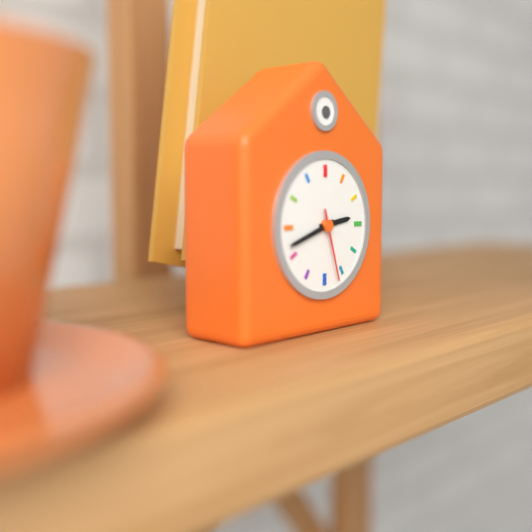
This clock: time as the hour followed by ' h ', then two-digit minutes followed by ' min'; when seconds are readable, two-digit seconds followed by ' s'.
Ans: 2 h 42 min 27 s
